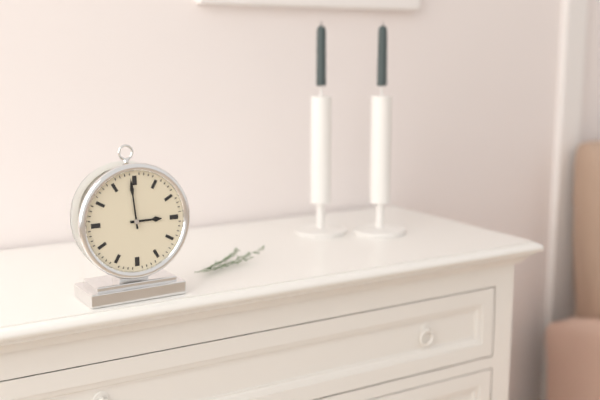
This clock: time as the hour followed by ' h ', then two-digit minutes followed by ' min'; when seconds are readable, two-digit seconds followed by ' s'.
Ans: 2 h 59 min
